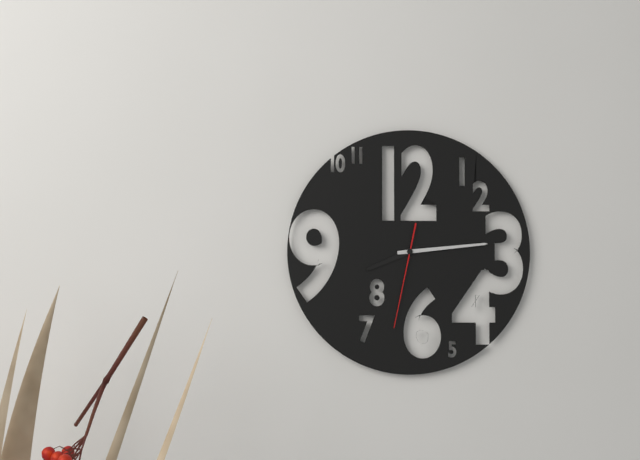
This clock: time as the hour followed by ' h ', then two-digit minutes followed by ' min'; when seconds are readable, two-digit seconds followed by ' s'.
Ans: 8 h 14 min 32 s
